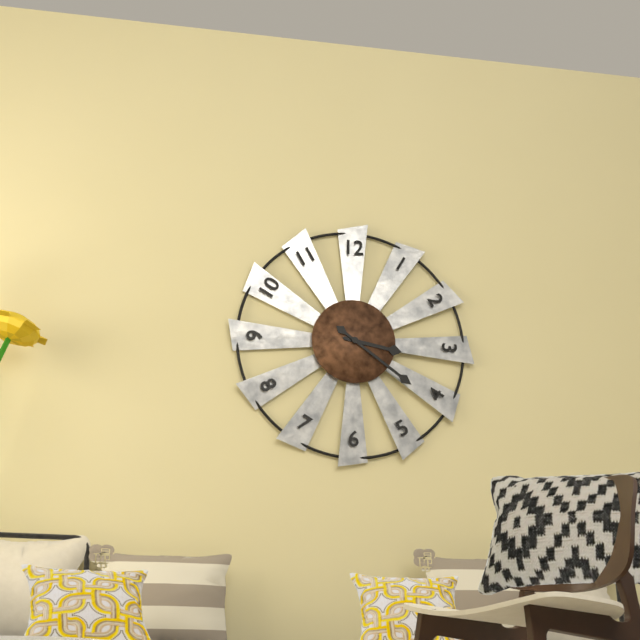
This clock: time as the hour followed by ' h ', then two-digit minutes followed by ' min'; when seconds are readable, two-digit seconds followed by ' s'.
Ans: 3 h 21 min
